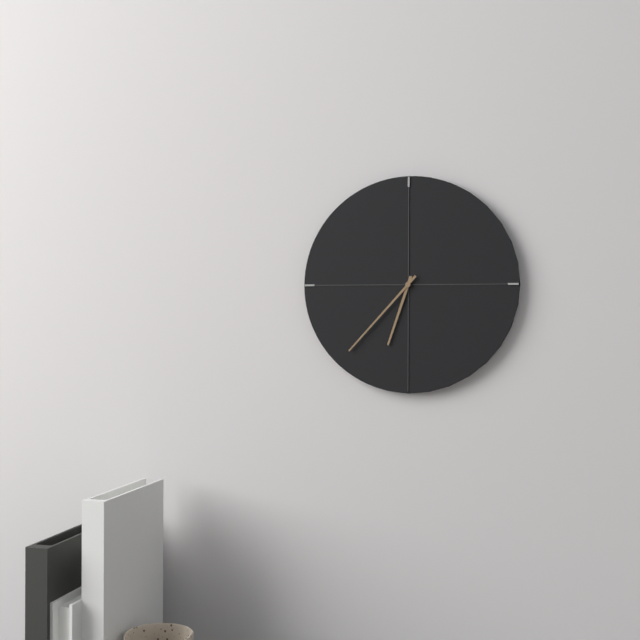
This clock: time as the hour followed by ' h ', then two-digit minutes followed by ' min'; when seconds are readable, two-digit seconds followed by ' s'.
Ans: 6 h 37 min
